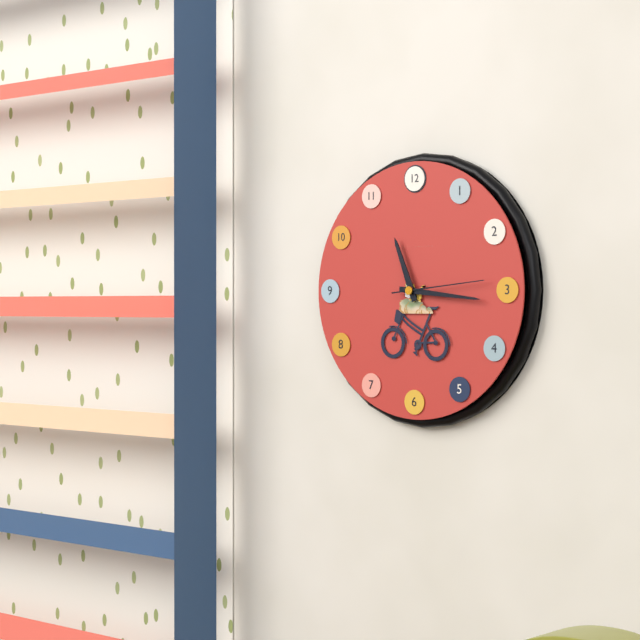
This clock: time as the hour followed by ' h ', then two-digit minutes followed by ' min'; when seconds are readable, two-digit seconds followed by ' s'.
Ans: 11 h 16 min 14 s
